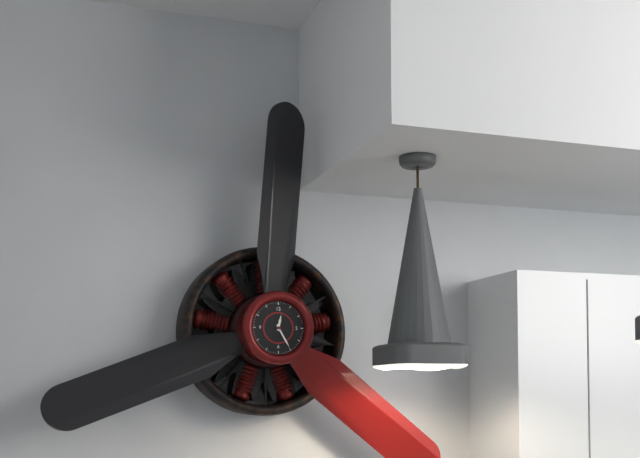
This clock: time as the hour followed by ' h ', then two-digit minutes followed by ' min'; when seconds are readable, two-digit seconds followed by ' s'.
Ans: 12 h 25 min
